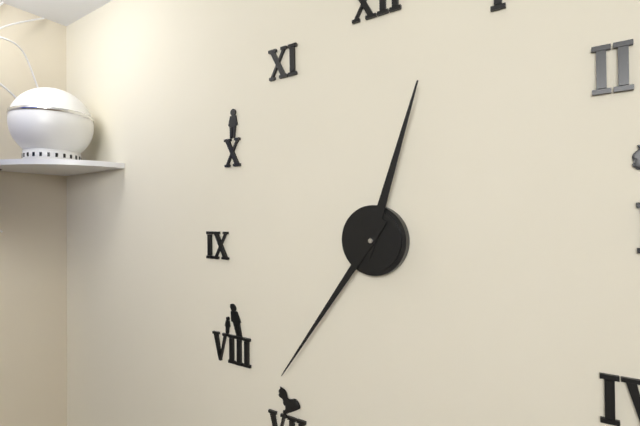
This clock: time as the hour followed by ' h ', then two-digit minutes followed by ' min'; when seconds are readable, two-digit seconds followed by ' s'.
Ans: 12 h 36 min
